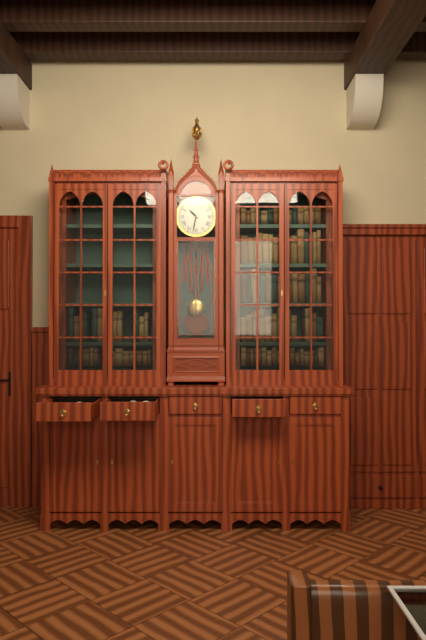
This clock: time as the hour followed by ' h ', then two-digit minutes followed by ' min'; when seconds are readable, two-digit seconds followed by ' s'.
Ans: 10 h 32 min
